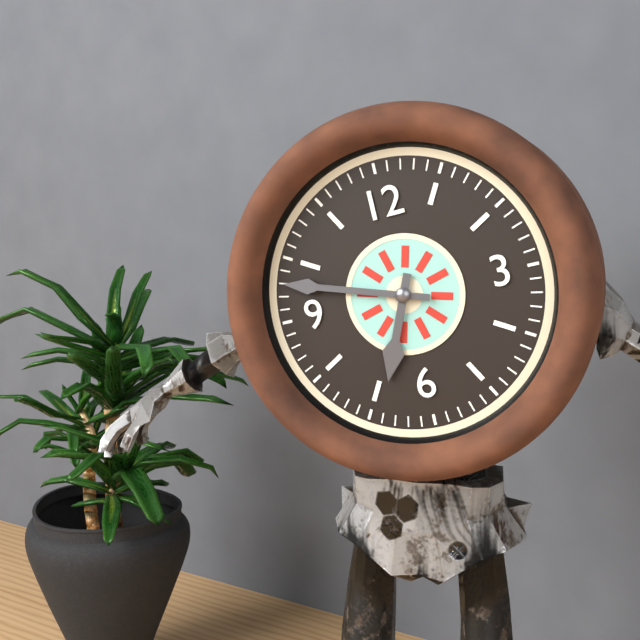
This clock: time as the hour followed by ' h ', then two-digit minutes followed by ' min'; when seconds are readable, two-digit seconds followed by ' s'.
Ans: 6 h 48 min
